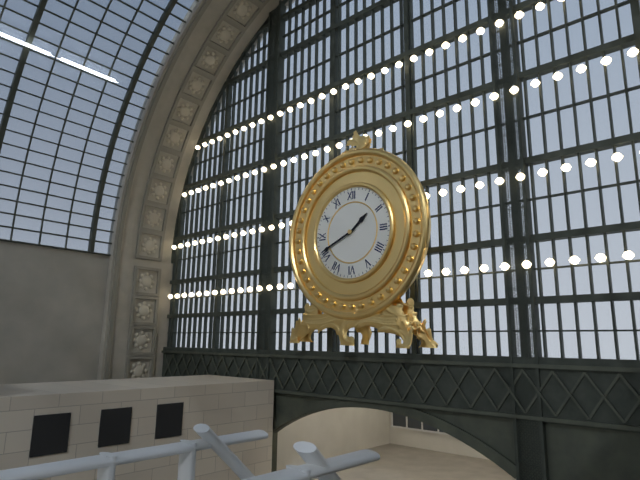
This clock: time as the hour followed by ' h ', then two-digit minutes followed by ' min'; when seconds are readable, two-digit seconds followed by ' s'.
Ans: 1 h 41 min
